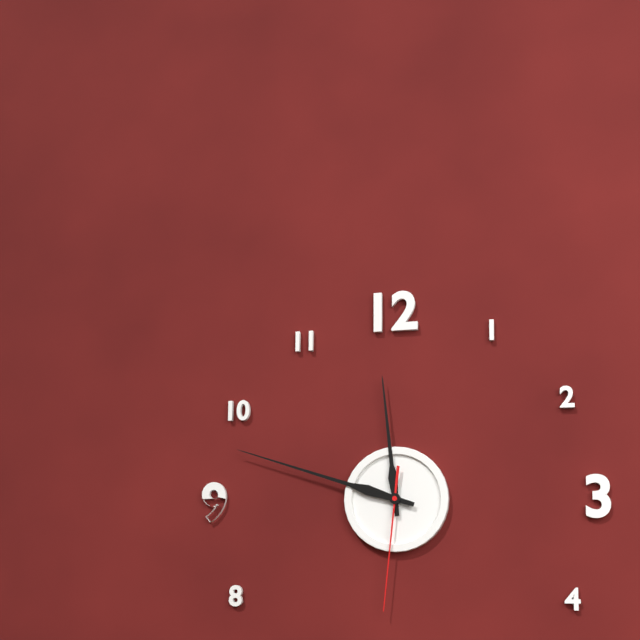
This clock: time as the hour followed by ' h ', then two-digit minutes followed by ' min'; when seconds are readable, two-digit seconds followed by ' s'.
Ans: 11 h 48 min 31 s
